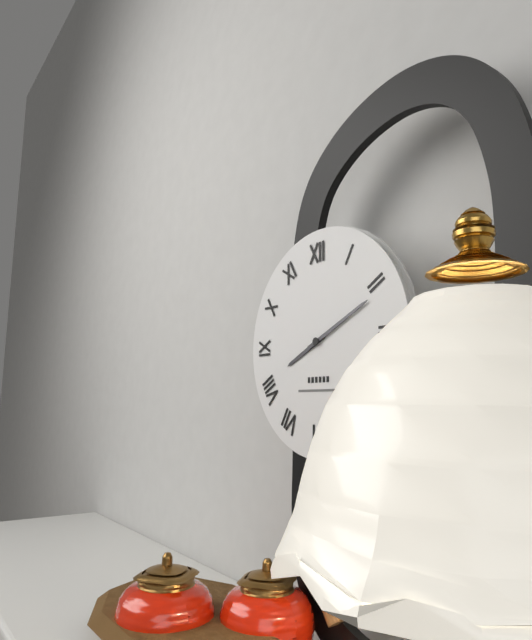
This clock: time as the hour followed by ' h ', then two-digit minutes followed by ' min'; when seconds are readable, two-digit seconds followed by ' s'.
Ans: 8 h 11 min
